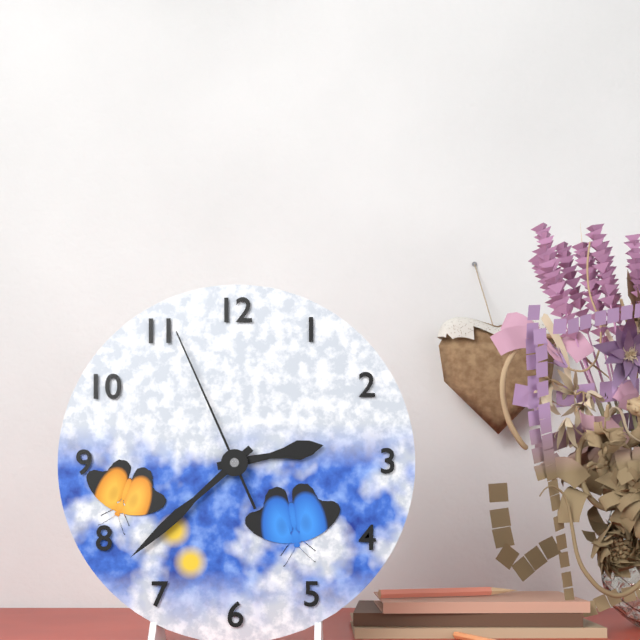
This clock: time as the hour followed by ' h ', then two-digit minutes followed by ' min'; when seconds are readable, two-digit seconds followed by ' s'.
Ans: 2 h 38 min 56 s
